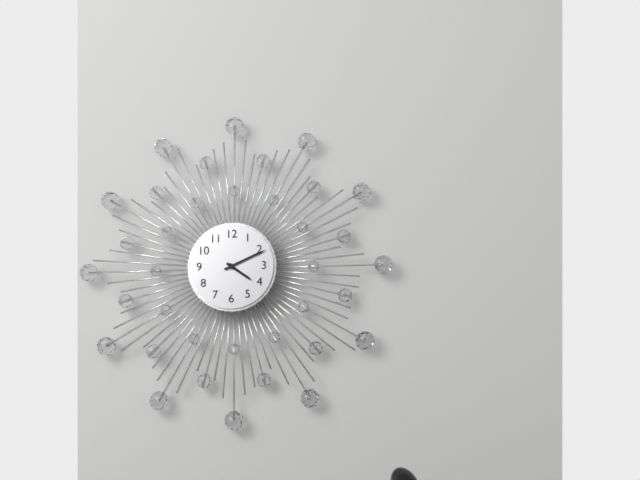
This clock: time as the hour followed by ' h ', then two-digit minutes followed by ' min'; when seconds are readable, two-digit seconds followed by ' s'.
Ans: 4 h 11 min
